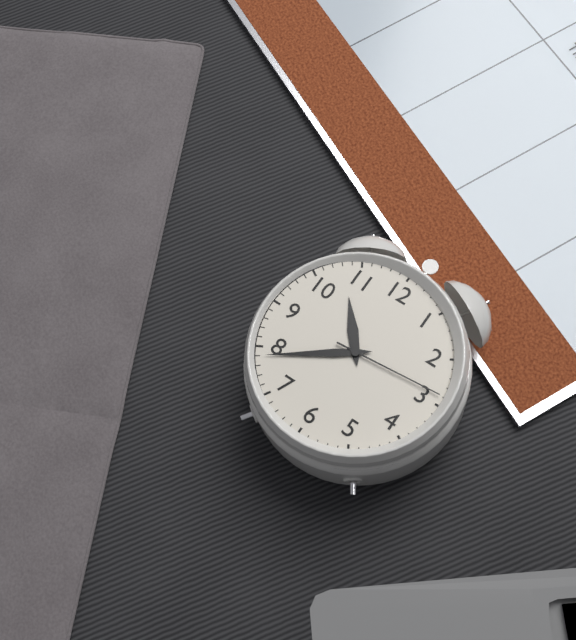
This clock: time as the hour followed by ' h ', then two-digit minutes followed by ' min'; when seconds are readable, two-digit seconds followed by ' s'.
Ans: 10 h 39 min 14 s
